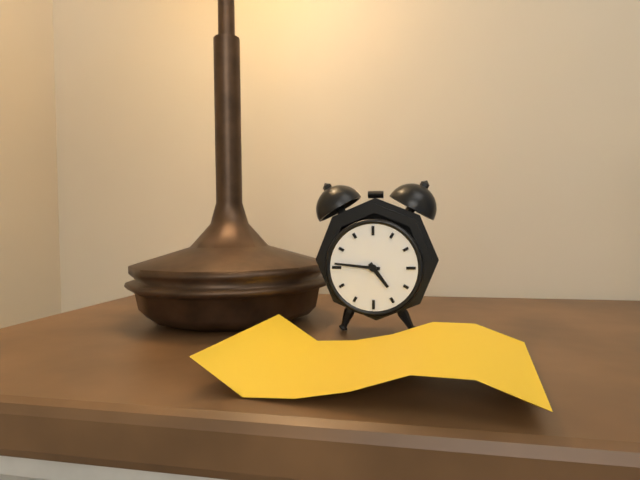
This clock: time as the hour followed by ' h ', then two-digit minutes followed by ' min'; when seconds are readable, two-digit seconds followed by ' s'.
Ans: 4 h 46 min
